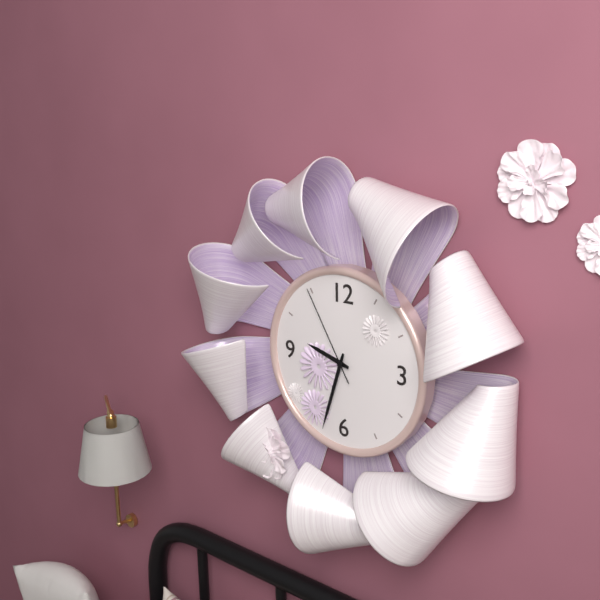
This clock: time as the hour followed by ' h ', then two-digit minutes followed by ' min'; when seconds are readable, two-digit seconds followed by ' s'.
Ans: 9 h 33 min 55 s
